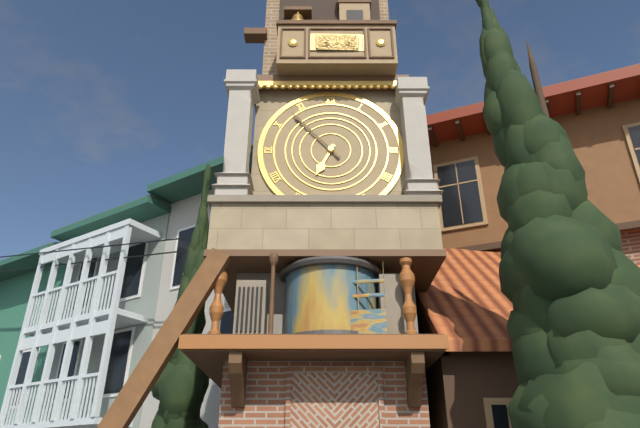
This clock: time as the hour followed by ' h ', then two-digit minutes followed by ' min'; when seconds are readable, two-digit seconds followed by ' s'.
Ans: 6 h 53 min
